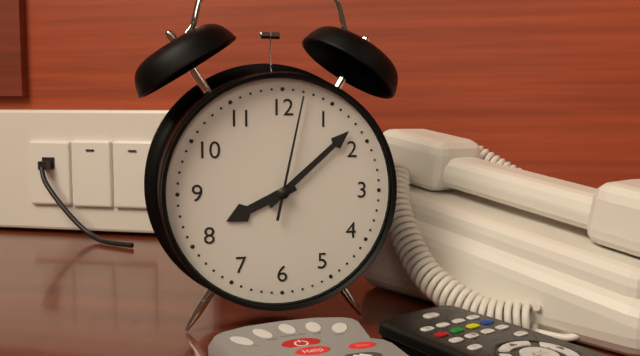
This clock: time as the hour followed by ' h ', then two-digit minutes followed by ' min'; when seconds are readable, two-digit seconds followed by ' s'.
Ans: 8 h 08 min 02 s
